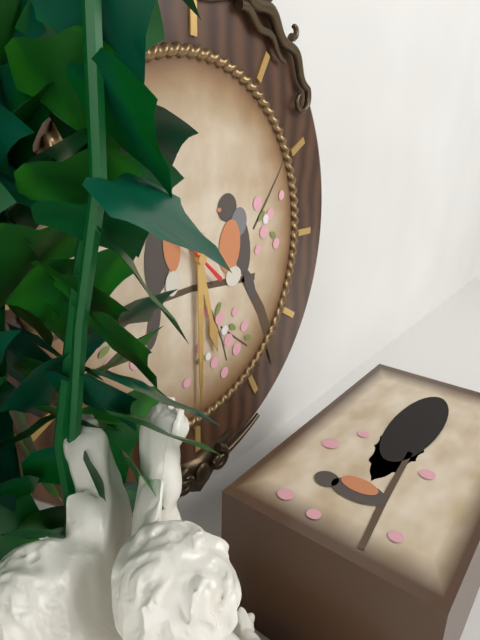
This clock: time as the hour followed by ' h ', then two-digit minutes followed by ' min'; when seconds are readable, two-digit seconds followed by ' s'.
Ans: 5 h 30 min
